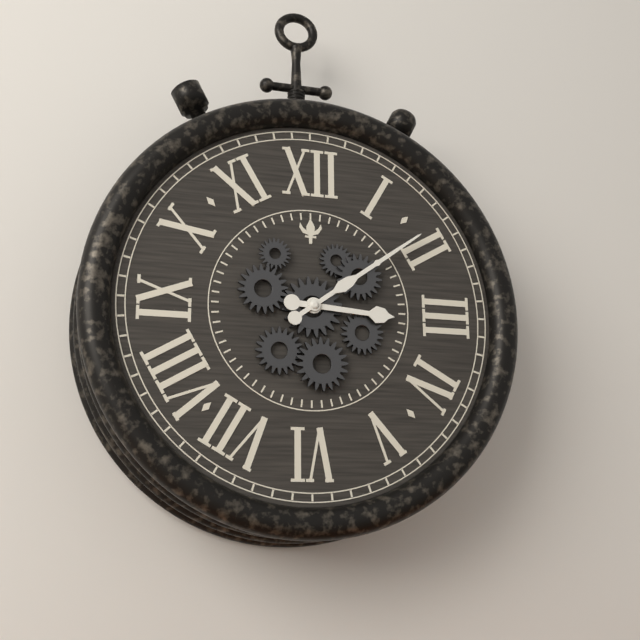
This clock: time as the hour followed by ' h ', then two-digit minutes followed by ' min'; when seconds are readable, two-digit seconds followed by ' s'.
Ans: 3 h 09 min
